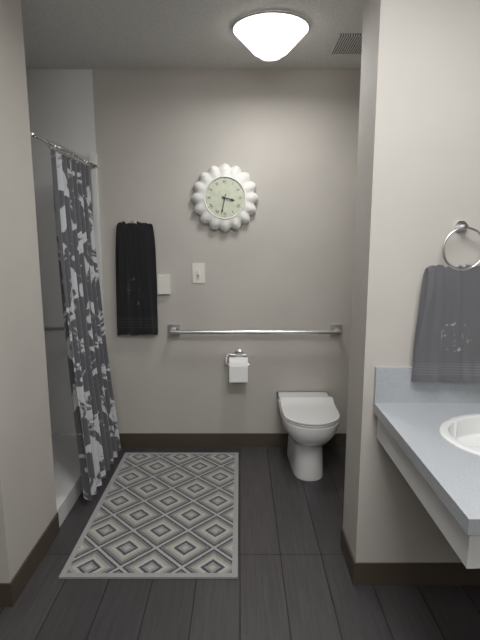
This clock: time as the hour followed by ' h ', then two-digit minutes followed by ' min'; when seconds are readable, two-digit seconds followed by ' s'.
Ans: 3 h 32 min
